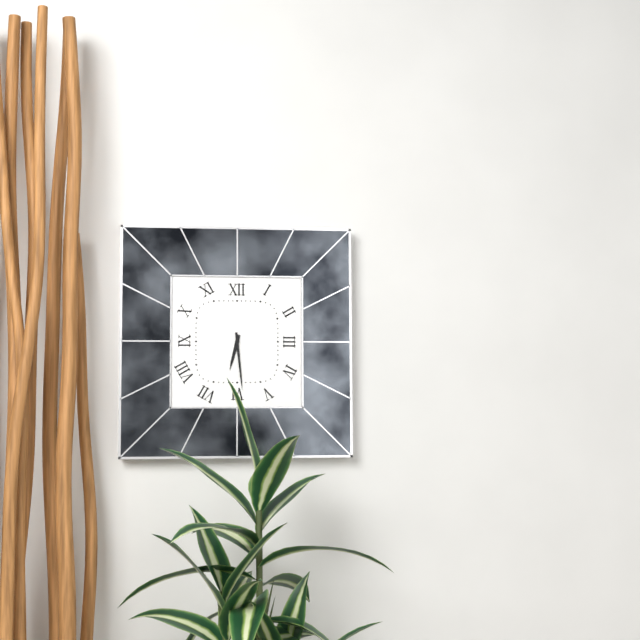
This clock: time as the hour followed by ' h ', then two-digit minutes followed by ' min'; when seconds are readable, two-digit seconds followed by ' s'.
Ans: 6 h 29 min
